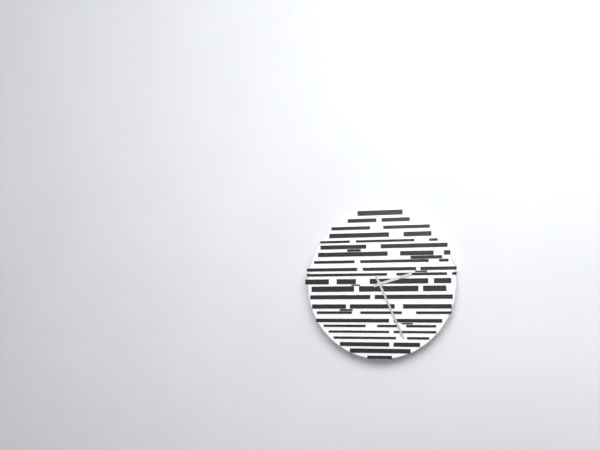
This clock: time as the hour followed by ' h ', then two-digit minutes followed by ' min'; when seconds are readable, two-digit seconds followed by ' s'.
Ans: 2 h 26 min
